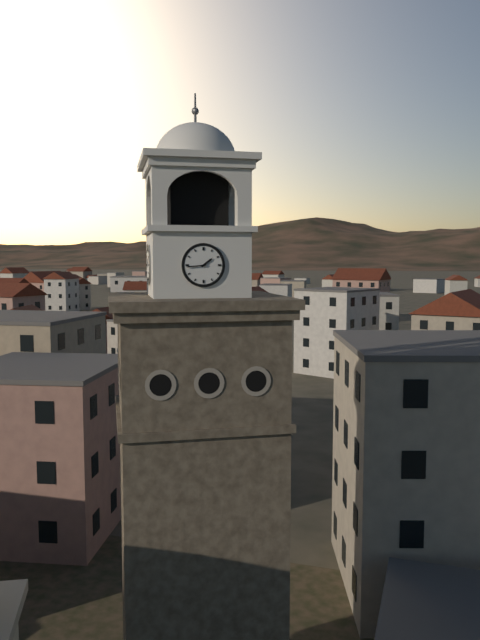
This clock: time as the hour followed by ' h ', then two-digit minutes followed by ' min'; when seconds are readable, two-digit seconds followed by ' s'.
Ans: 1 h 44 min
